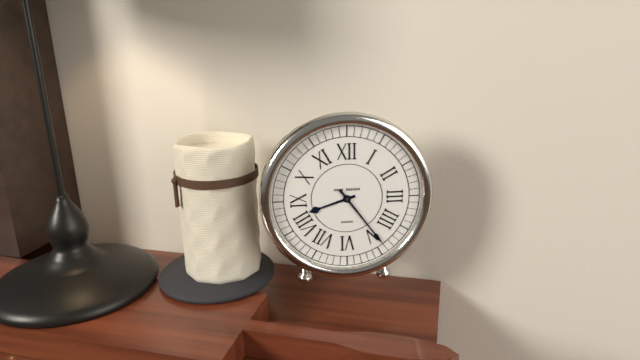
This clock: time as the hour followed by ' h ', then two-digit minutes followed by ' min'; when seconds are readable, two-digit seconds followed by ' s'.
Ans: 8 h 24 min
